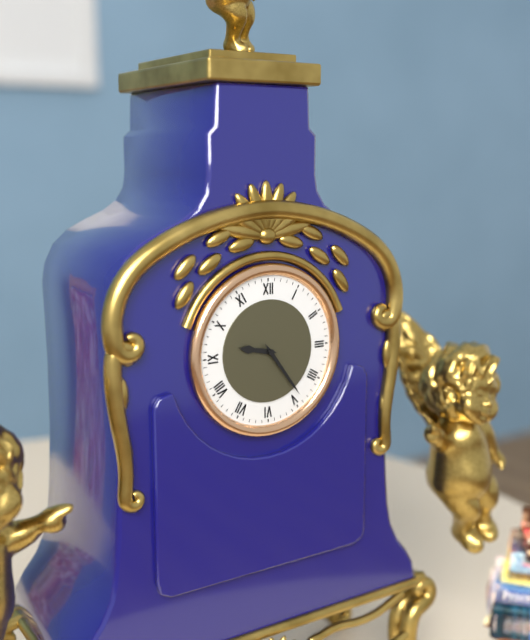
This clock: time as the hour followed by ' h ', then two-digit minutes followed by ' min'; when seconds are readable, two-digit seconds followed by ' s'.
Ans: 9 h 24 min
